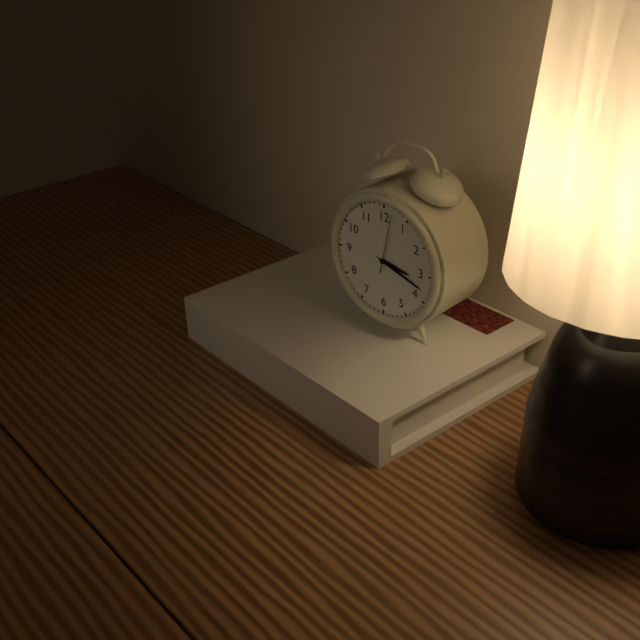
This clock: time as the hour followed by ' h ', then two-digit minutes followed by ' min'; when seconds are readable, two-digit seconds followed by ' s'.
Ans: 3 h 18 min 02 s
